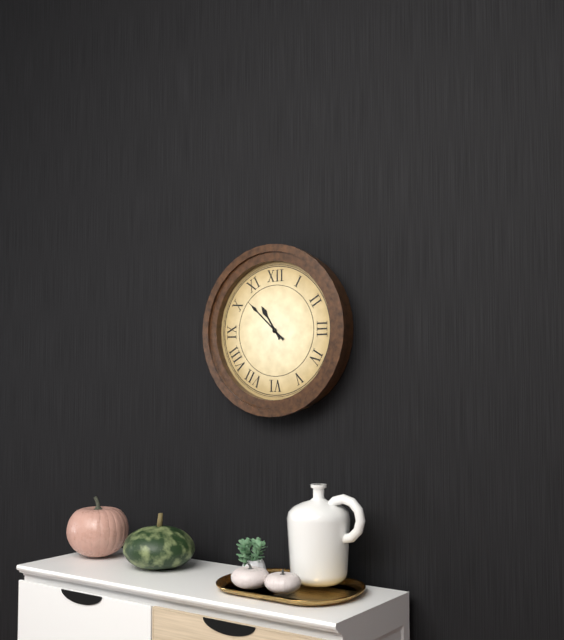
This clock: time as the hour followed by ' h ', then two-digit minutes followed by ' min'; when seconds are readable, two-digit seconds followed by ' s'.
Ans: 10 h 52 min
